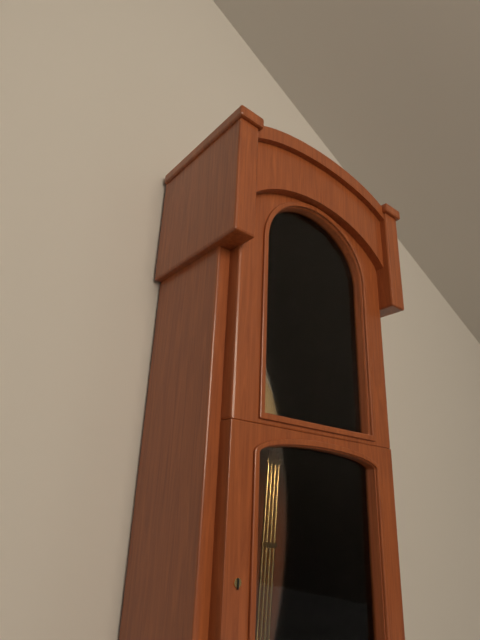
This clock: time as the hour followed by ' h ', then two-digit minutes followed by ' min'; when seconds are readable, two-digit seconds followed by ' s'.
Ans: 5 h 26 min
